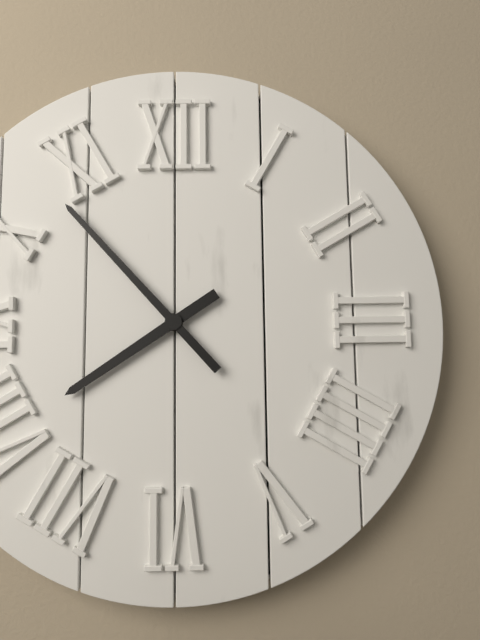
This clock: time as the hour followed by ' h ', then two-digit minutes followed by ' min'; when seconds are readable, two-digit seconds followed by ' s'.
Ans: 7 h 53 min
